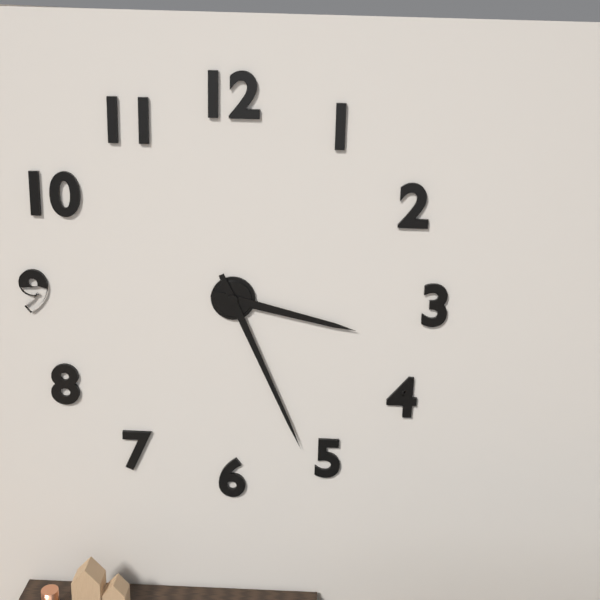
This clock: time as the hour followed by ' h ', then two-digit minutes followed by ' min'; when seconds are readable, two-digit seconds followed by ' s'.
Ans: 3 h 26 min
